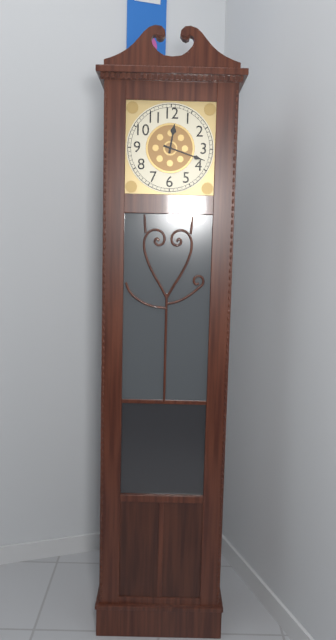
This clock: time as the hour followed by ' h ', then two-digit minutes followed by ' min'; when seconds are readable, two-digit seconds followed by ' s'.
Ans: 12 h 18 min
